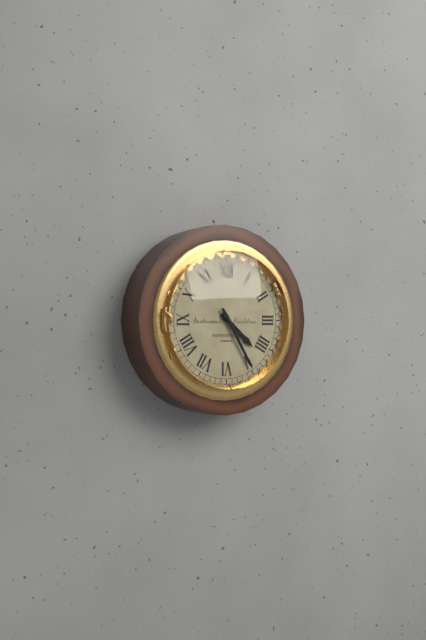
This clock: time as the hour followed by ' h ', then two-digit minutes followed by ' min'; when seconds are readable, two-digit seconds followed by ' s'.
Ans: 4 h 25 min
